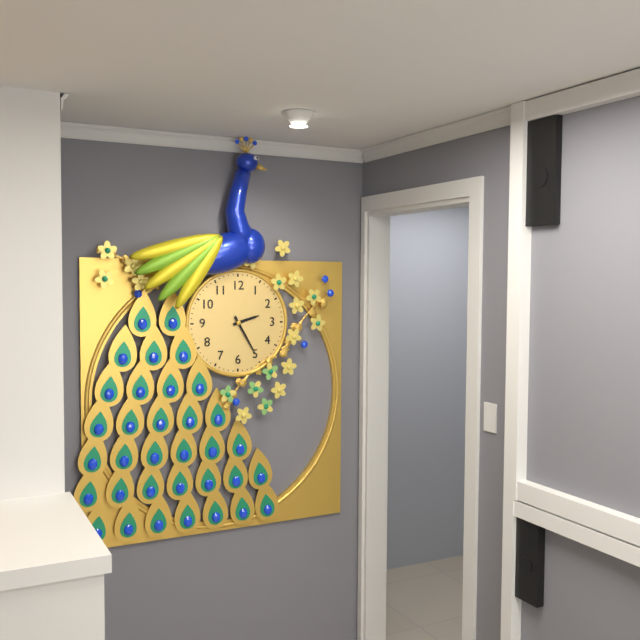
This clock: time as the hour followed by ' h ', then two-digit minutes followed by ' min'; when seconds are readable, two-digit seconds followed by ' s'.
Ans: 2 h 25 min
